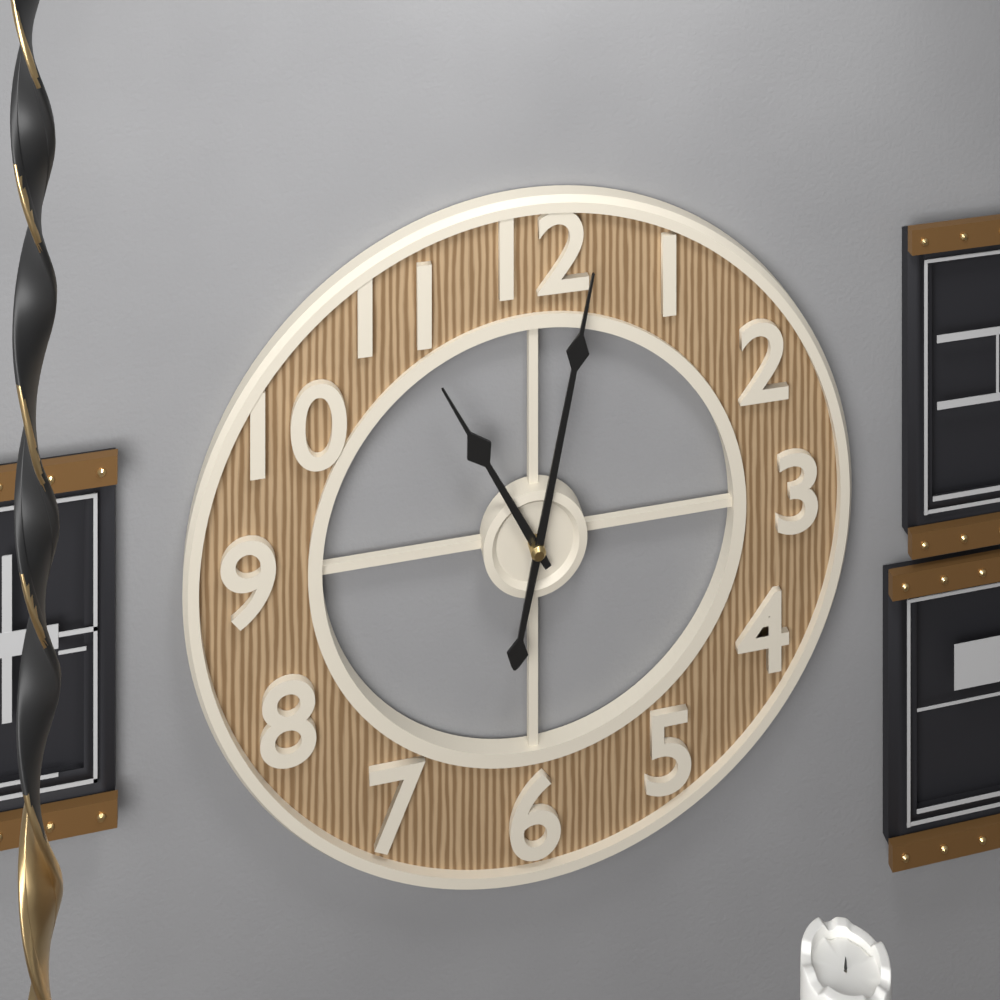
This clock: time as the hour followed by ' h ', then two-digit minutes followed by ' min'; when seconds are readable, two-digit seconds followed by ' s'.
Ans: 11 h 02 min
